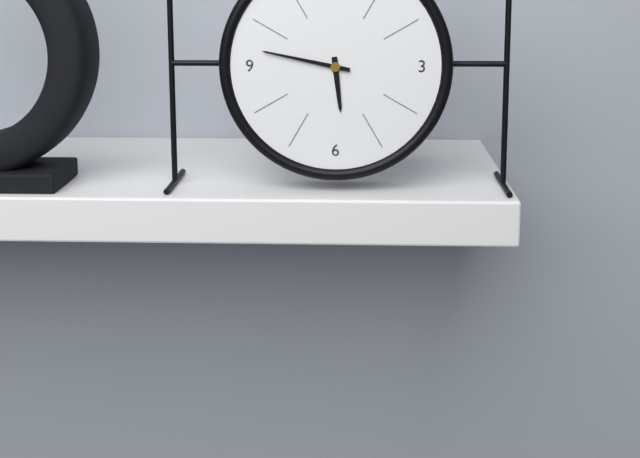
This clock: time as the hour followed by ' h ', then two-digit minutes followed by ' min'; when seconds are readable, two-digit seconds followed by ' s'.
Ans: 5 h 47 min
